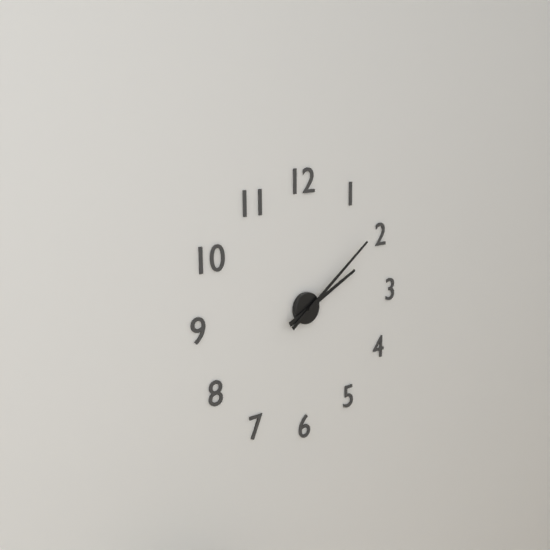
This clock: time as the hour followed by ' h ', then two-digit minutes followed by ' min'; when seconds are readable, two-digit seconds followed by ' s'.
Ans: 2 h 09 min
